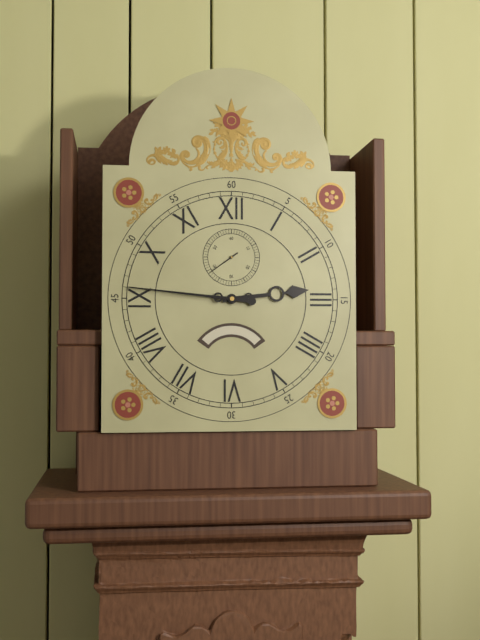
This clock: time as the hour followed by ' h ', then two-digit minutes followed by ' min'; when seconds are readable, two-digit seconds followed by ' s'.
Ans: 2 h 46 min
